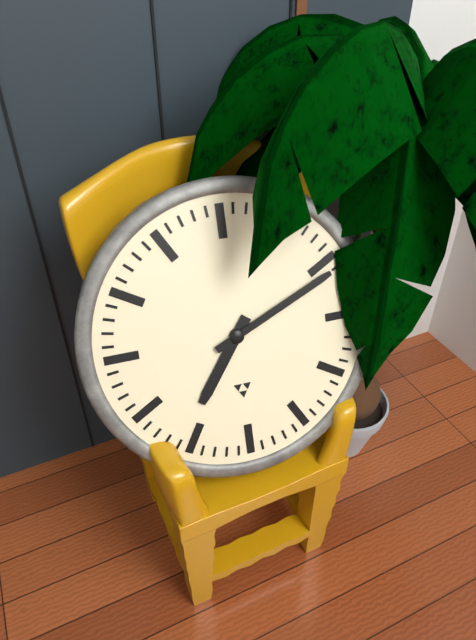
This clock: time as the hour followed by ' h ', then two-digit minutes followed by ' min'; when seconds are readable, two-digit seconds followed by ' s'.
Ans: 7 h 11 min
